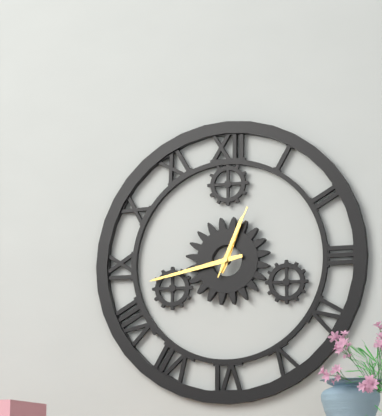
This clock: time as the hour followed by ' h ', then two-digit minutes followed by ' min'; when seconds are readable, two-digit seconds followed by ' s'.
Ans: 12 h 43 min 04 s
